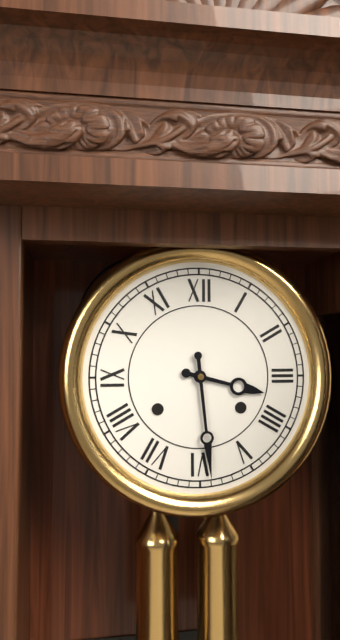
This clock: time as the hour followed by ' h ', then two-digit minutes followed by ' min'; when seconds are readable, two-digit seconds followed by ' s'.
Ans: 3 h 29 min
